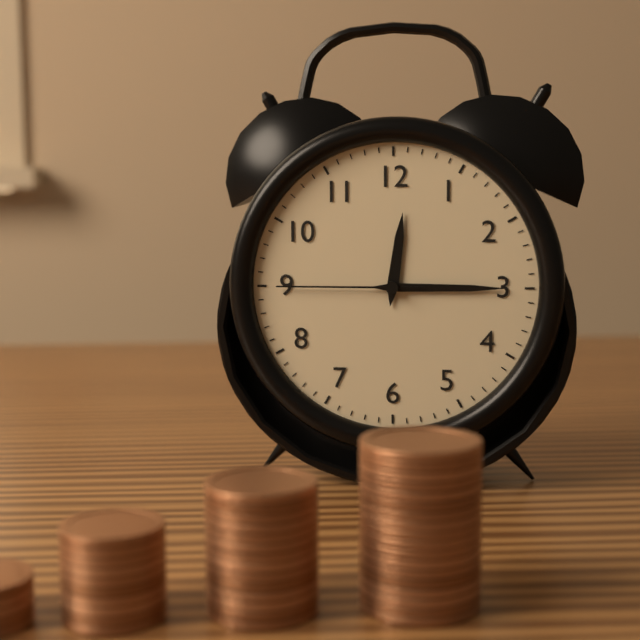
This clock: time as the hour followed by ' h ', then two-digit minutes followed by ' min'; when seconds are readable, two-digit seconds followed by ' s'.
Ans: 12 h 15 min 45 s
